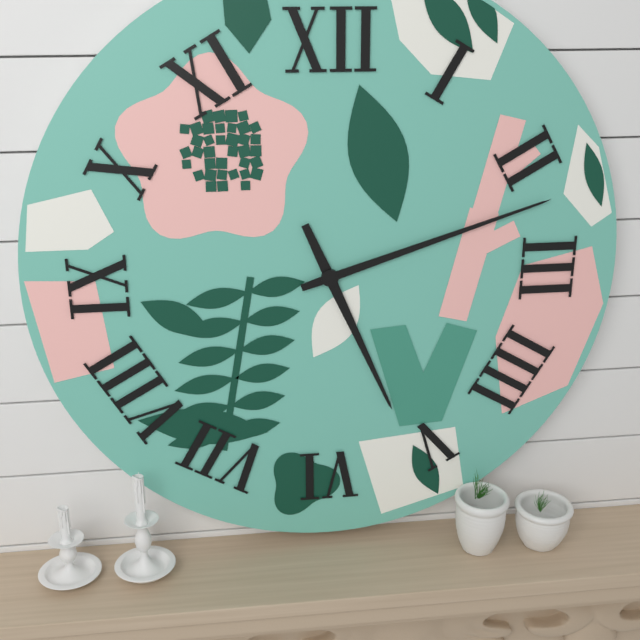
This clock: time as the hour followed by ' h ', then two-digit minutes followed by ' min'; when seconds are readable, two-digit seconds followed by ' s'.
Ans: 5 h 12 min
